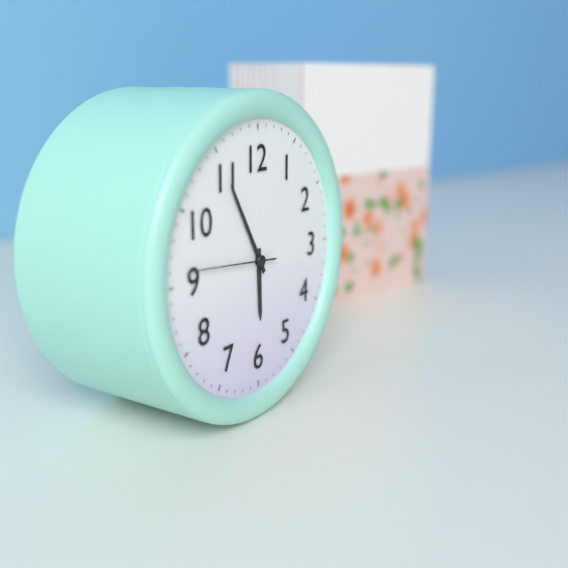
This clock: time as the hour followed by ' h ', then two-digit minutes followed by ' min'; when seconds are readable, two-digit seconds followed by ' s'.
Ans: 5 h 55 min 46 s
